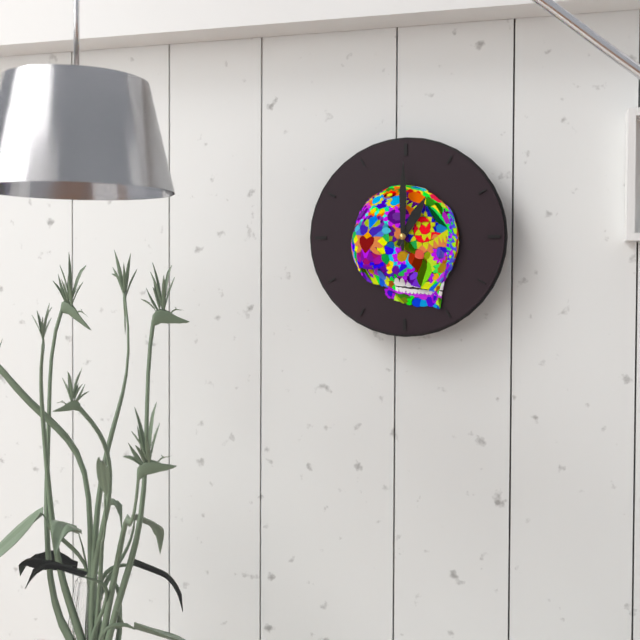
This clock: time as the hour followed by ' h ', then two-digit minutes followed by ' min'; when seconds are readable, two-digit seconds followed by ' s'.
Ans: 1 h 00 min
